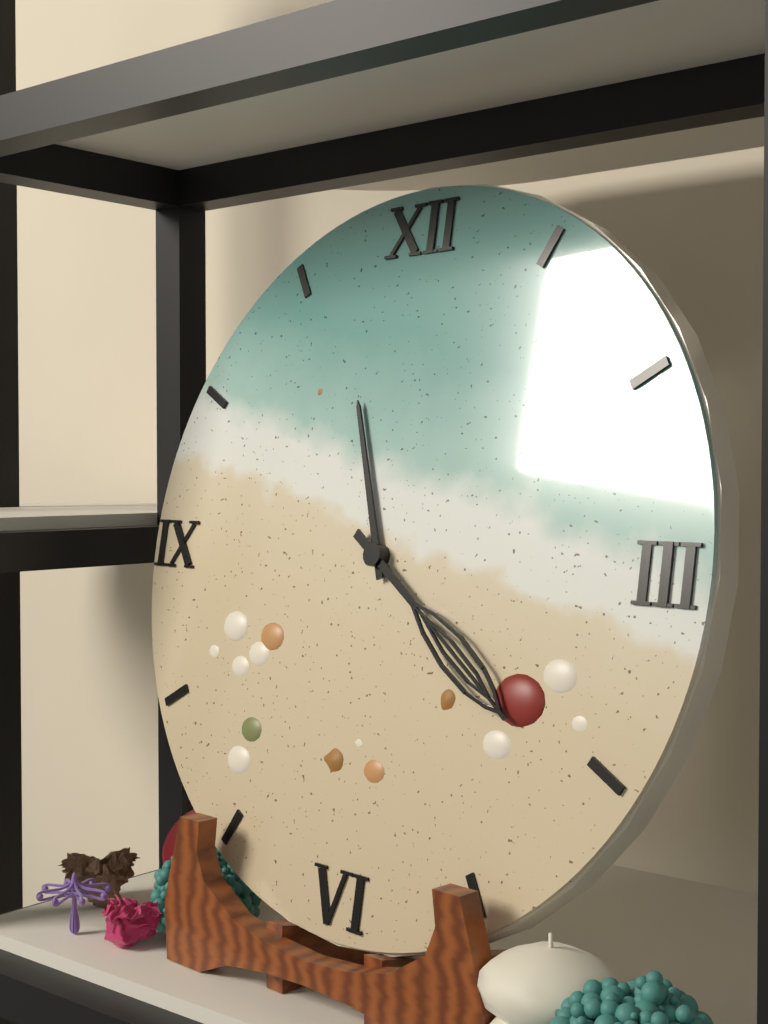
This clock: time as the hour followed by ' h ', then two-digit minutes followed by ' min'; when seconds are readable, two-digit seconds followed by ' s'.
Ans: 11 h 21 min
